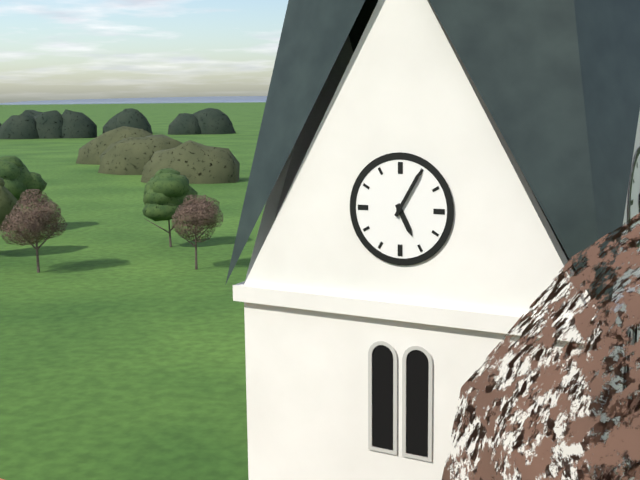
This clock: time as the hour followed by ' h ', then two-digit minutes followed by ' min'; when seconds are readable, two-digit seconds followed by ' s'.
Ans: 5 h 05 min
